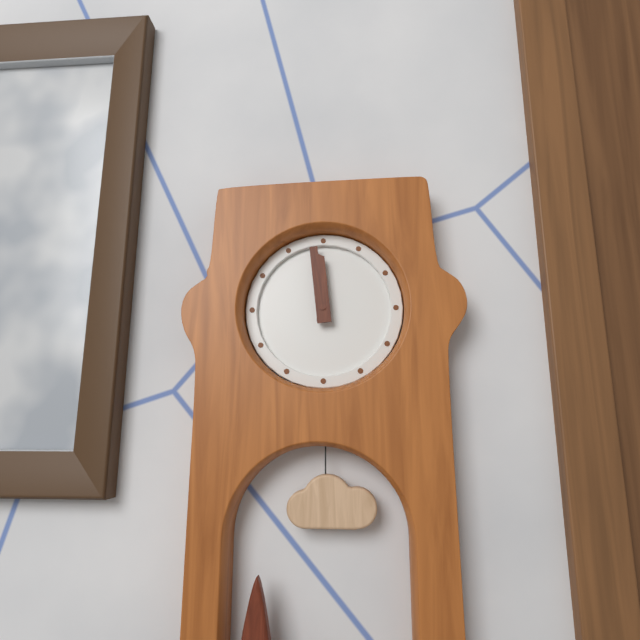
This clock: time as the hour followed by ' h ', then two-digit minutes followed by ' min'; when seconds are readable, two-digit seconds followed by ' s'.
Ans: 11 h 59 min
